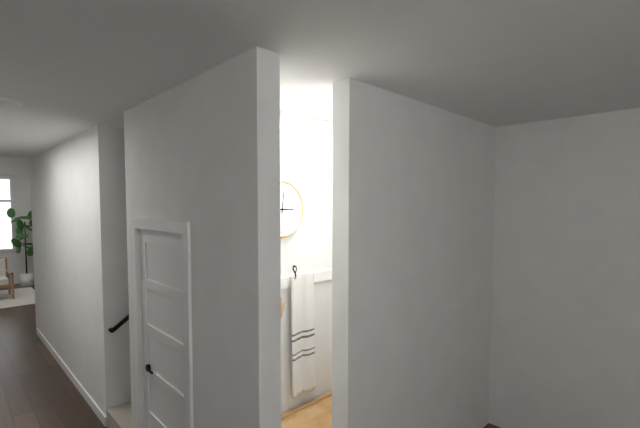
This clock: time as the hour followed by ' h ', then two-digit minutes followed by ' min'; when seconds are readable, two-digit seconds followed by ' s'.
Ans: 3 h 01 min
